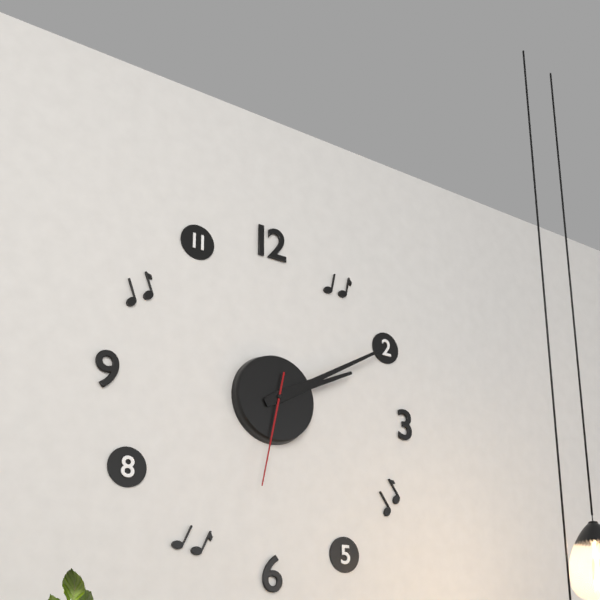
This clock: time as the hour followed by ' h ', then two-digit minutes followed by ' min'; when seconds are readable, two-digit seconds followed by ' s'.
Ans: 2 h 10 min 32 s
